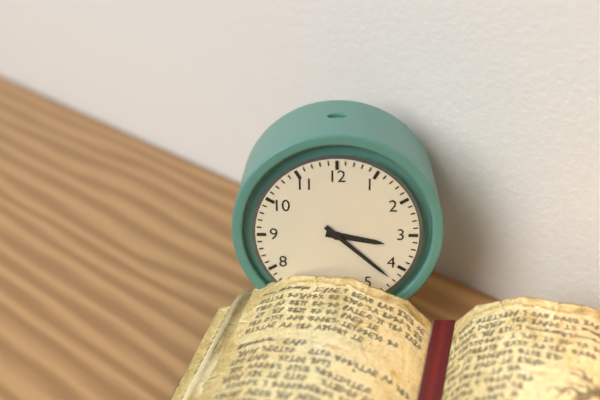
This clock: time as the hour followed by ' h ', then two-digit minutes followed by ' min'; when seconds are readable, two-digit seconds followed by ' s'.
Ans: 3 h 22 min
